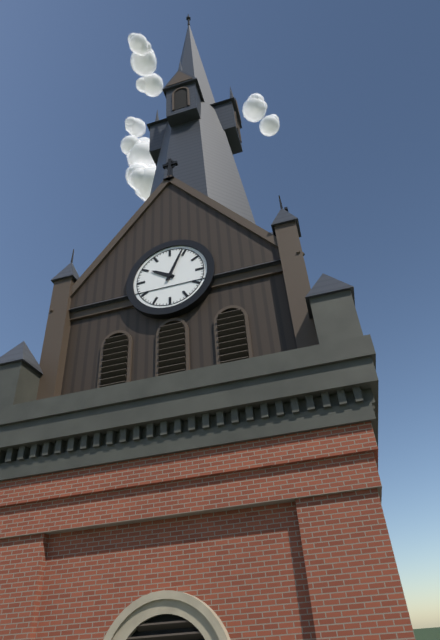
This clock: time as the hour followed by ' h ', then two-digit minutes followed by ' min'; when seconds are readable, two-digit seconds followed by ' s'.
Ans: 10 h 04 min
